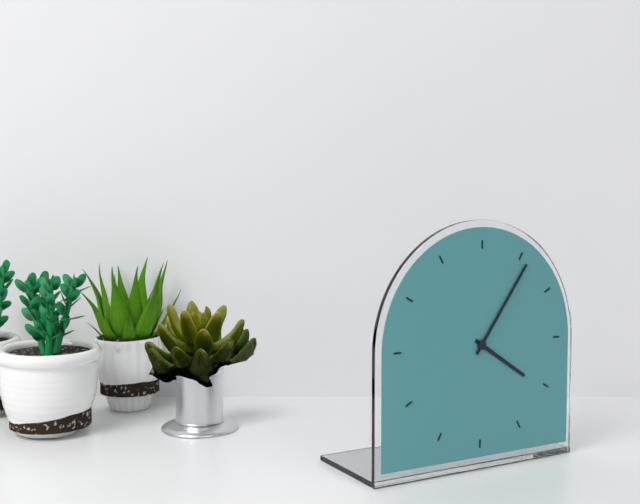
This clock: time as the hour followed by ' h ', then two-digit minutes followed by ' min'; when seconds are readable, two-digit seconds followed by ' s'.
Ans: 4 h 06 min
